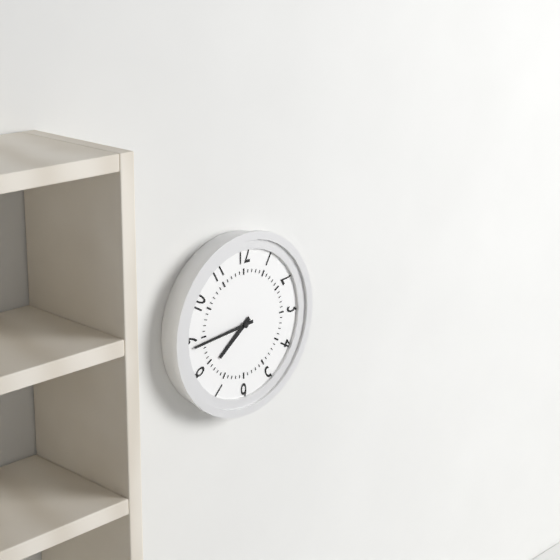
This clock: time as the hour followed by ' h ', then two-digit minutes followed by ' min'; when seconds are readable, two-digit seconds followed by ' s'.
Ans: 7 h 44 min
